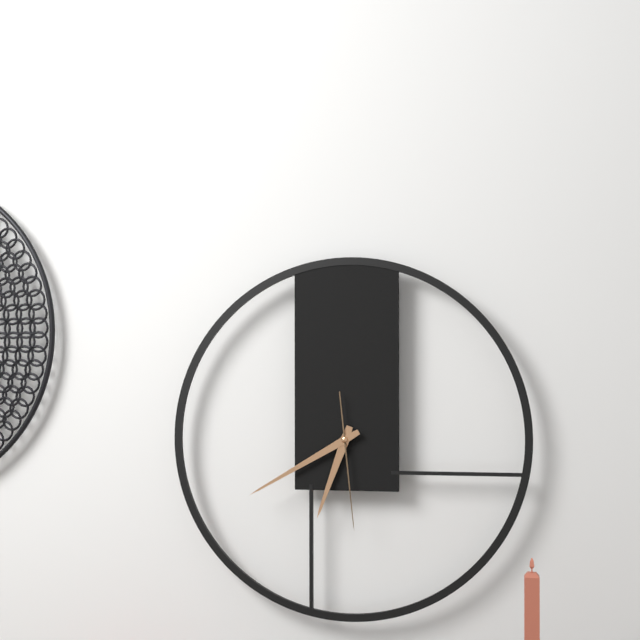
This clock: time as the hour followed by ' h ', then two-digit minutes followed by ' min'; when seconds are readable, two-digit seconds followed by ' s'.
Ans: 6 h 40 min 29 s
